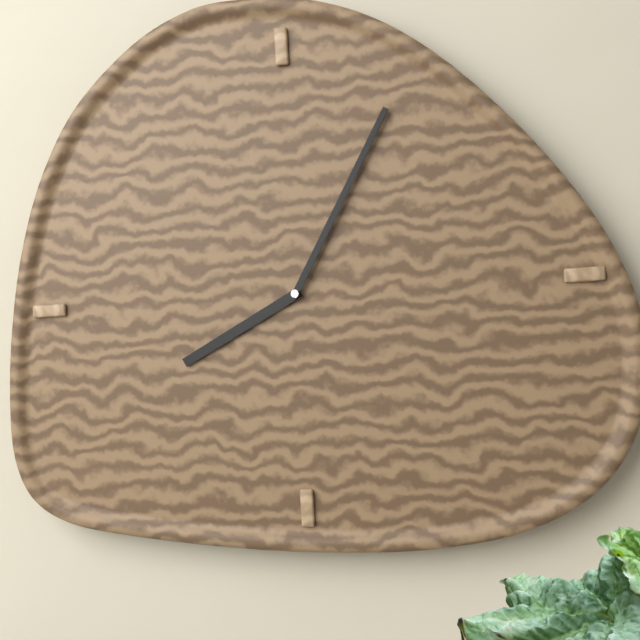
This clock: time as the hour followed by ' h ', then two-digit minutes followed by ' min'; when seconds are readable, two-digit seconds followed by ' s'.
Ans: 8 h 05 min
